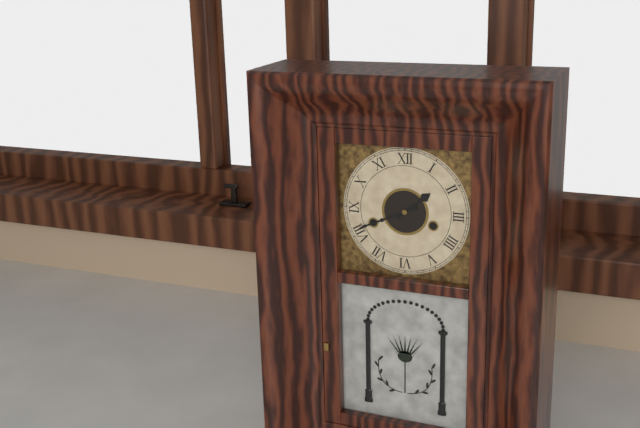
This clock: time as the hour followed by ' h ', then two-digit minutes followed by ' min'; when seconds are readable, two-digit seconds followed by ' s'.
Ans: 1 h 41 min
